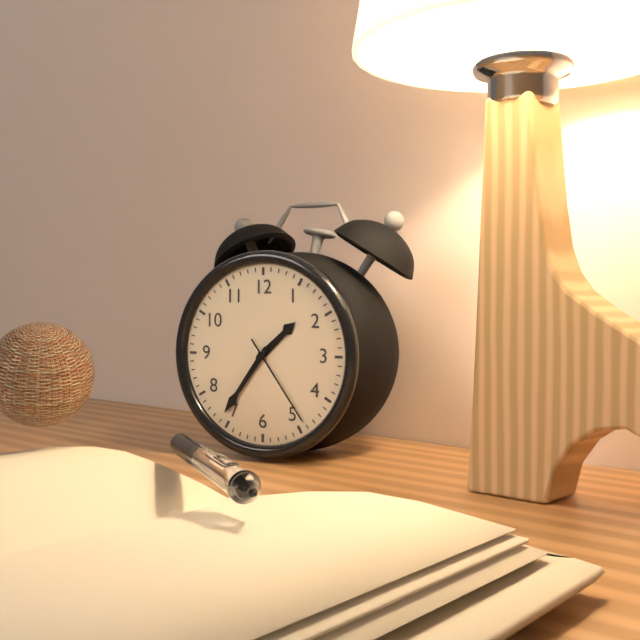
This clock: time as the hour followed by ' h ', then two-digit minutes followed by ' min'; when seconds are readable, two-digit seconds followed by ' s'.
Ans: 1 h 36 min 24 s
